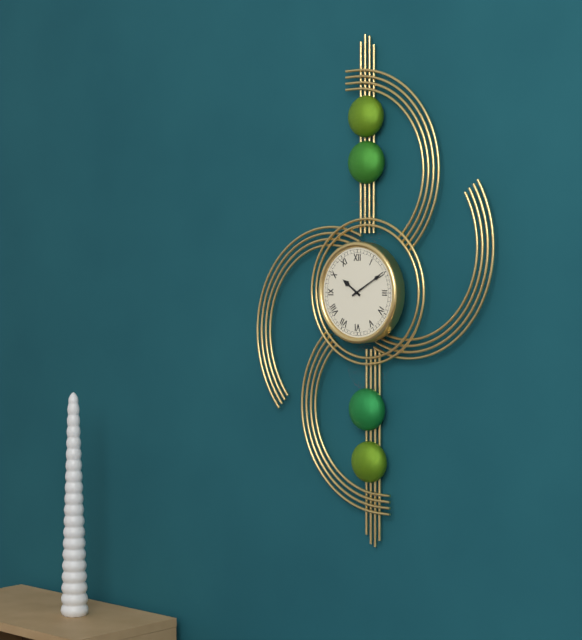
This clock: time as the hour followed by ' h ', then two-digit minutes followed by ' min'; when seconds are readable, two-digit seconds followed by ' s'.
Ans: 10 h 10 min
